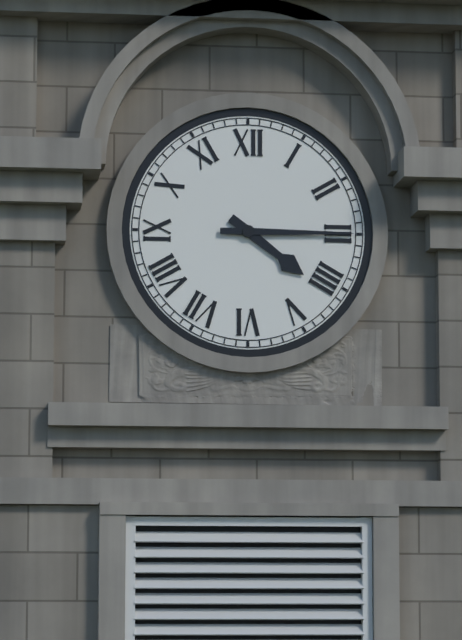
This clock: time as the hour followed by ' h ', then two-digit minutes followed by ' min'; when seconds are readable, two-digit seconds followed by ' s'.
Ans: 4 h 15 min
